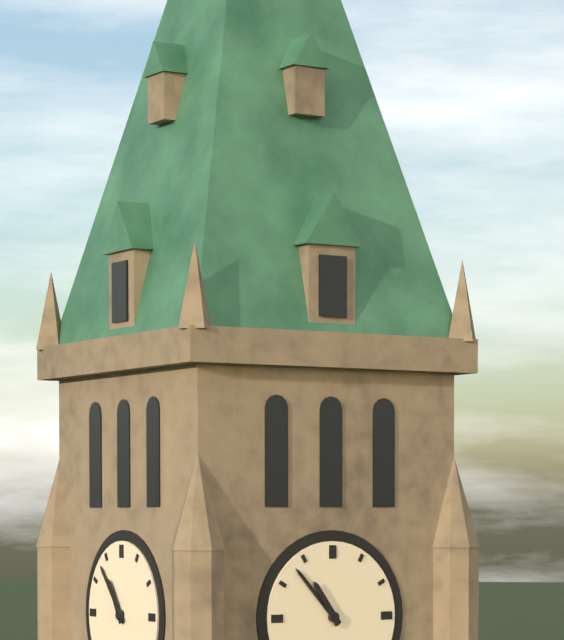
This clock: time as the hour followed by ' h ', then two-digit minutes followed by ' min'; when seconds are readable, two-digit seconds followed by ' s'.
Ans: 10 h 53 min
